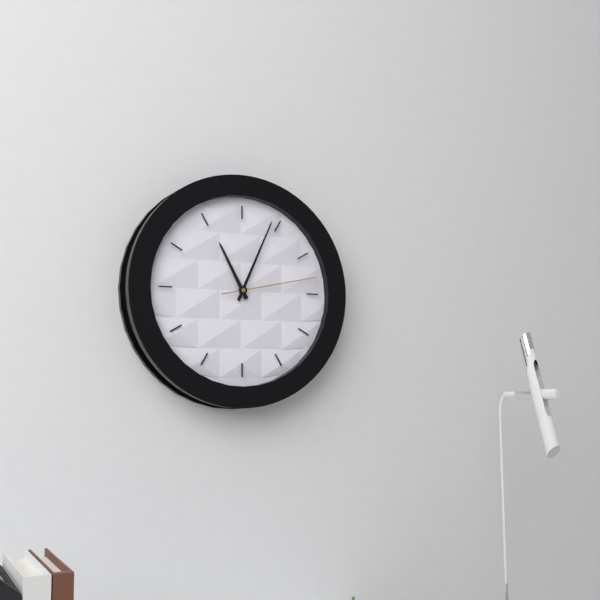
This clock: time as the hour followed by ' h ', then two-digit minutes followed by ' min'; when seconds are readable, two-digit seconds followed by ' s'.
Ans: 11 h 04 min 13 s
